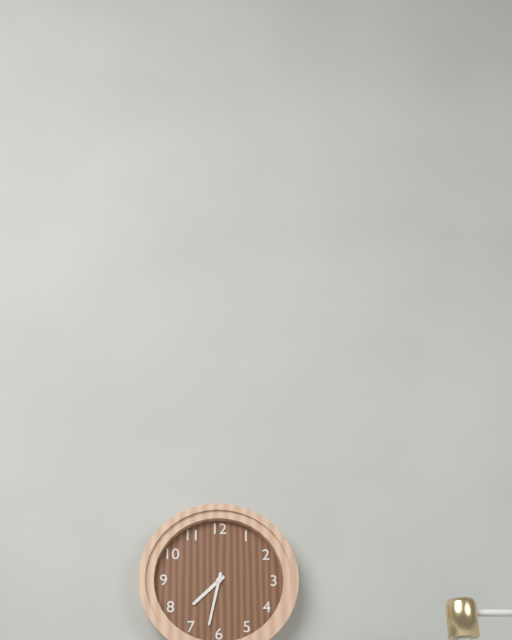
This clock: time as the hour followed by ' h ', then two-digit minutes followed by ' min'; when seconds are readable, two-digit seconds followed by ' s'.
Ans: 7 h 32 min
